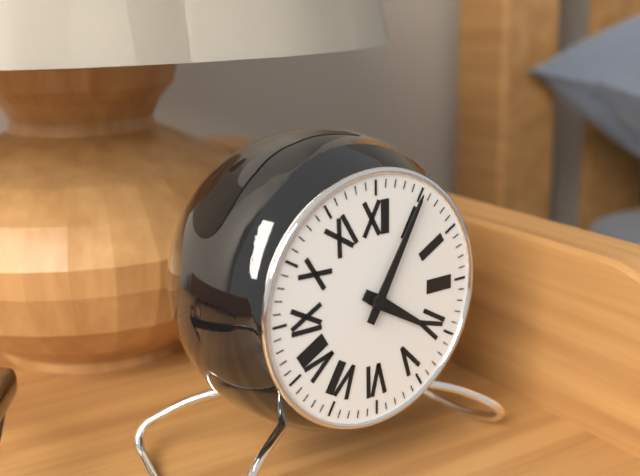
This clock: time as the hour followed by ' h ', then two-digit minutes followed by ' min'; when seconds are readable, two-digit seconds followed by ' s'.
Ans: 4 h 05 min
